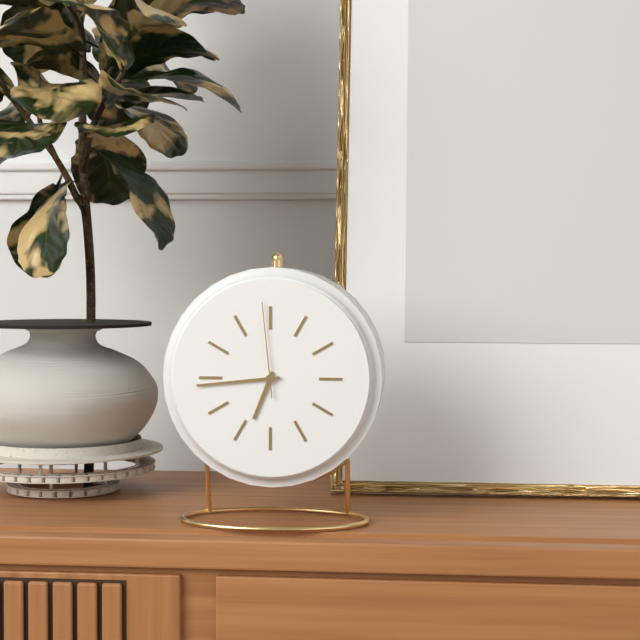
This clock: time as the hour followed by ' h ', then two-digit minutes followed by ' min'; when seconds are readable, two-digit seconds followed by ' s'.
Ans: 6 h 44 min 59 s
